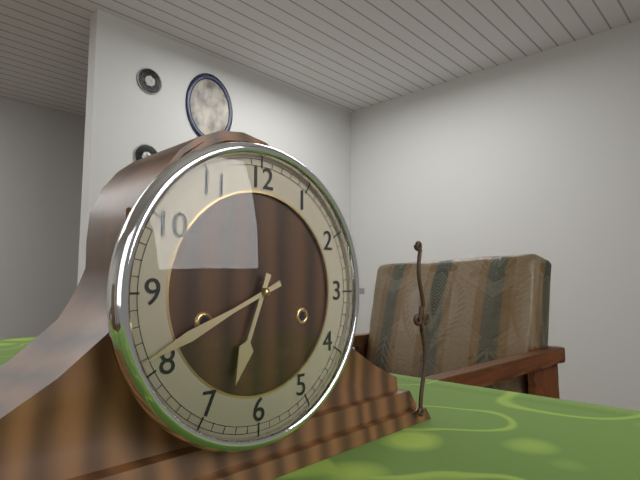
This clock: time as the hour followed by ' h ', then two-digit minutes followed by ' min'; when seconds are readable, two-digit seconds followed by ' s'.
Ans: 6 h 41 min
